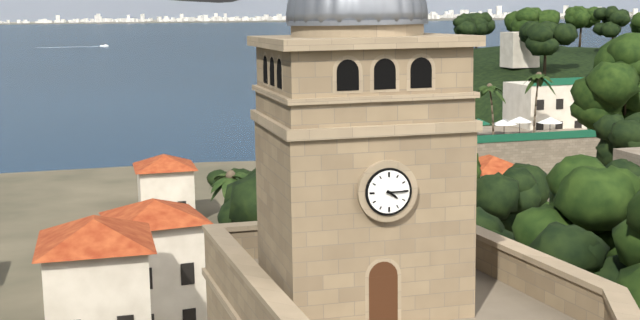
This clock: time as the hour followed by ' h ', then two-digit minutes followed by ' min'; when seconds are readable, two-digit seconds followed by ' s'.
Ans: 4 h 15 min
